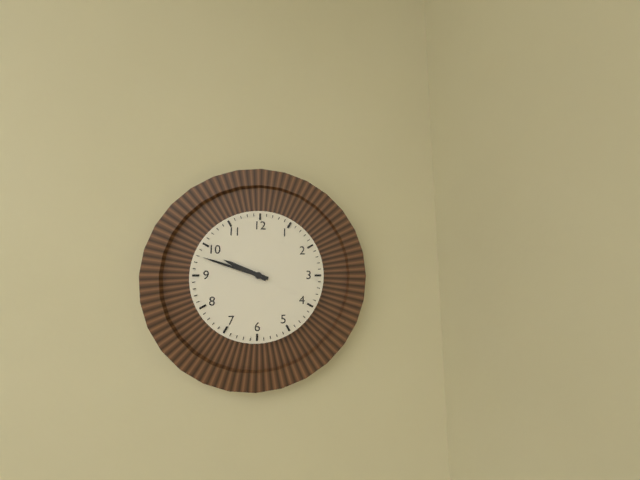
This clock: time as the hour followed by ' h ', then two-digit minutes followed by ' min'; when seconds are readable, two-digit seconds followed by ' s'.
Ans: 9 h 48 min
